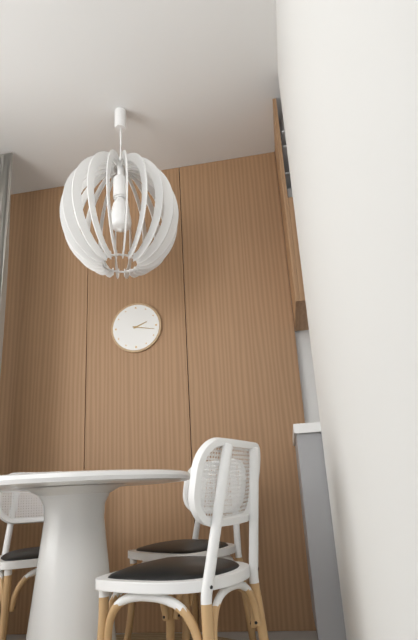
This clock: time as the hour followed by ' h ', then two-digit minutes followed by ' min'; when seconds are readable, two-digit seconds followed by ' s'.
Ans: 2 h 17 min
